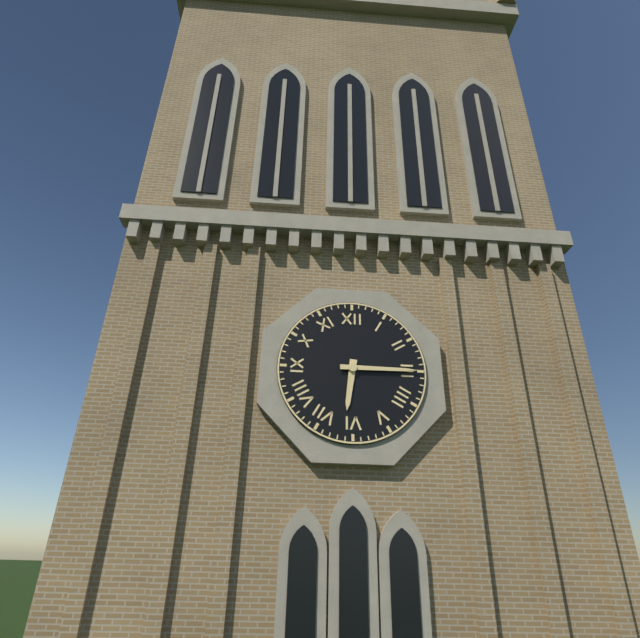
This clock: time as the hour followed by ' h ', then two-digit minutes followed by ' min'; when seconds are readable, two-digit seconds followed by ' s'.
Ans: 6 h 15 min
